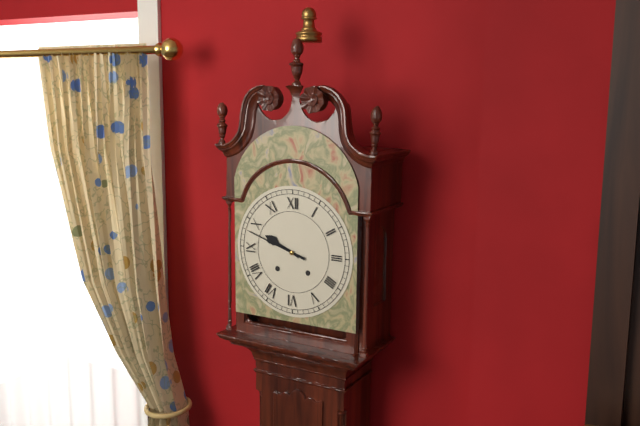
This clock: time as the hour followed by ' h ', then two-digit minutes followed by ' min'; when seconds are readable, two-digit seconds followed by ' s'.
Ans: 9 h 48 min
